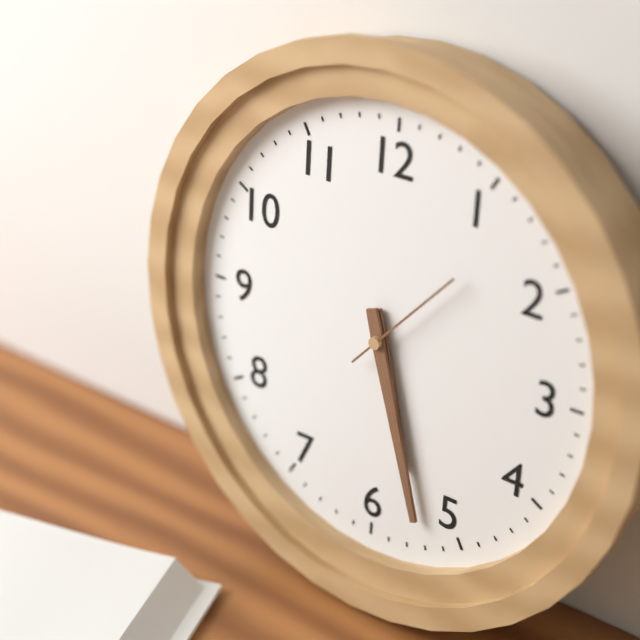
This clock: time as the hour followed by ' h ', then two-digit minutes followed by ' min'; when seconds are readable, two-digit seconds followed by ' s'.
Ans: 5 h 27 min 07 s
